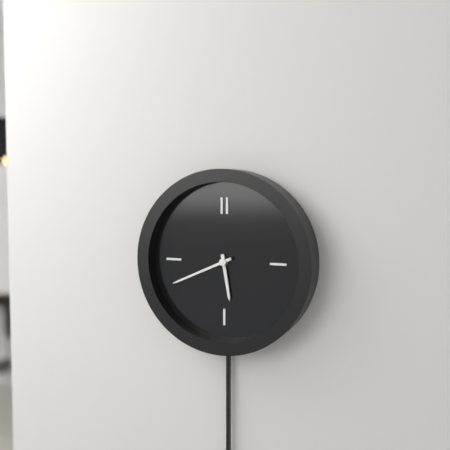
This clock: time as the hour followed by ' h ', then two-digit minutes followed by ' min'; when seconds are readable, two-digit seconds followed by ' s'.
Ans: 5 h 41 min
